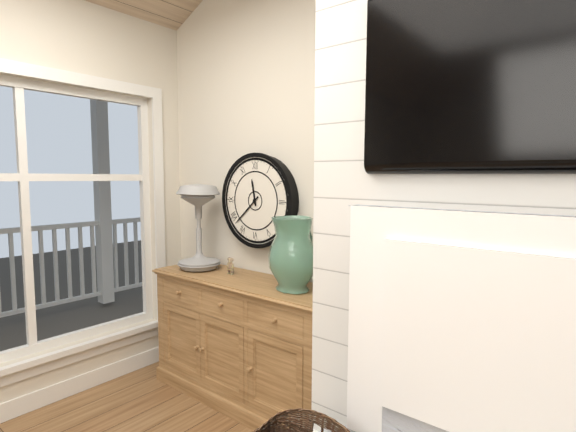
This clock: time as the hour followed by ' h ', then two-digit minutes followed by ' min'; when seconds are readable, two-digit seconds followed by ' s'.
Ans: 11 h 38 min
